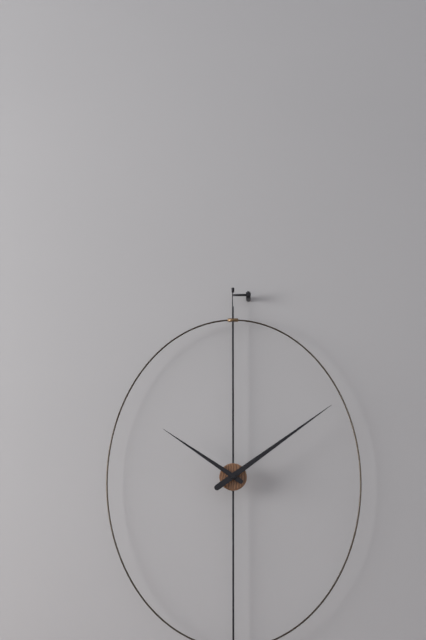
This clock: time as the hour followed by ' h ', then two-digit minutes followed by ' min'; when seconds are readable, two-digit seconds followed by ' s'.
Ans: 10 h 09 min
